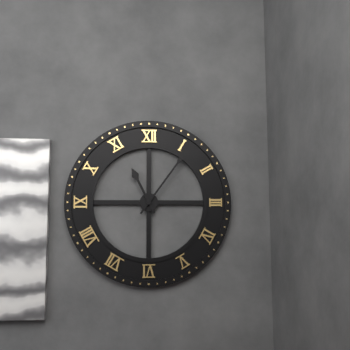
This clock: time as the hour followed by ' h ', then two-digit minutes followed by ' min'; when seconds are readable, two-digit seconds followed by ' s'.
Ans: 11 h 06 min
